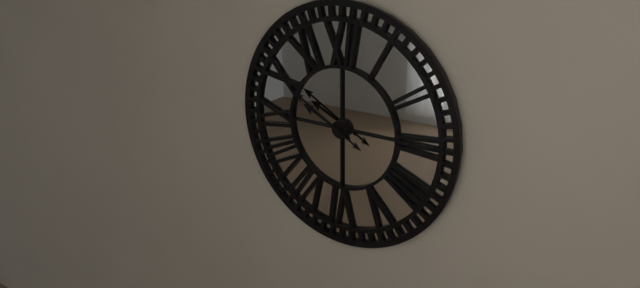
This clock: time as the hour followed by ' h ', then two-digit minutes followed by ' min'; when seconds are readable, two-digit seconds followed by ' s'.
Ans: 9 h 50 min
